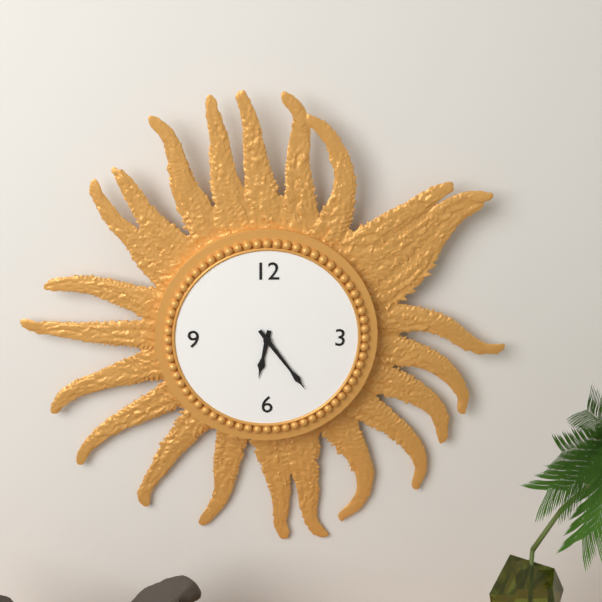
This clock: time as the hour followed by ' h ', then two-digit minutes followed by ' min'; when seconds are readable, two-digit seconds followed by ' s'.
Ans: 6 h 24 min
